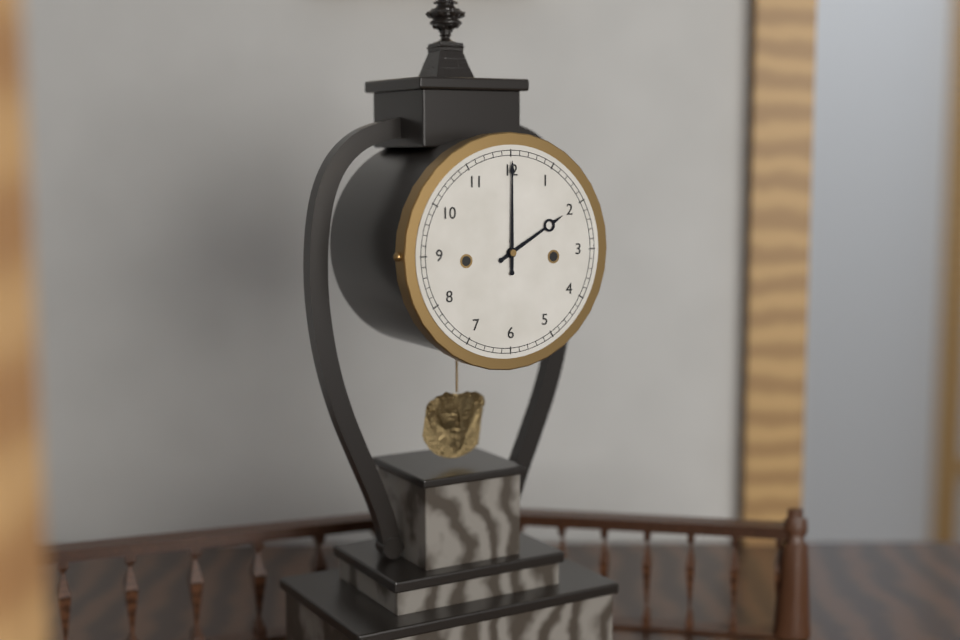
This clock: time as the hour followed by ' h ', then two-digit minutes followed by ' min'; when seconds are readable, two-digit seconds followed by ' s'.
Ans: 2 h 00 min
